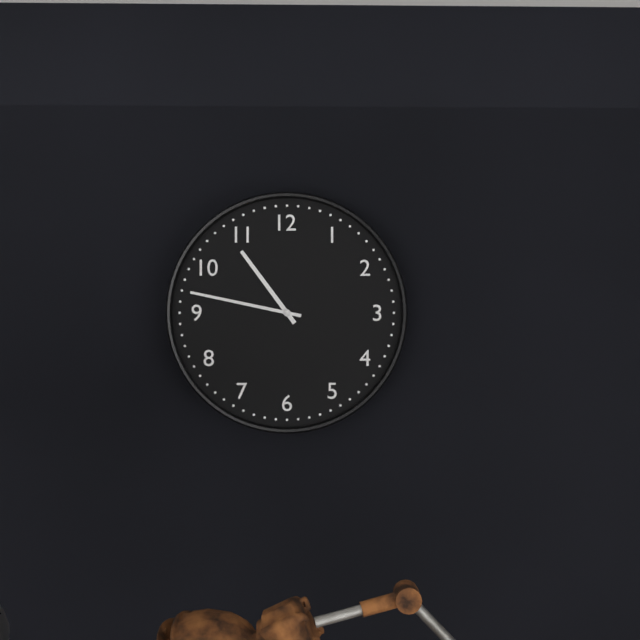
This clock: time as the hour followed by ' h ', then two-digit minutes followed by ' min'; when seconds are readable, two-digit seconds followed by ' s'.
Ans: 10 h 47 min
